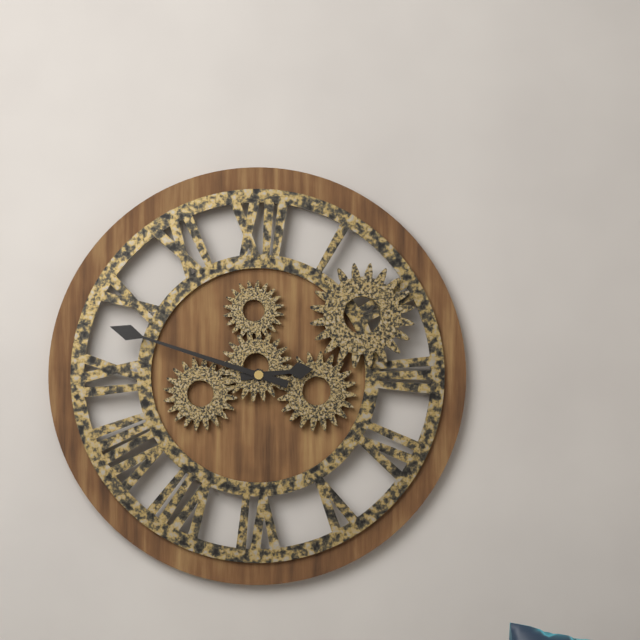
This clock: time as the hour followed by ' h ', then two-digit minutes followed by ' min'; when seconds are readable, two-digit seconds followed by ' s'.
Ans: 2 h 48 min
